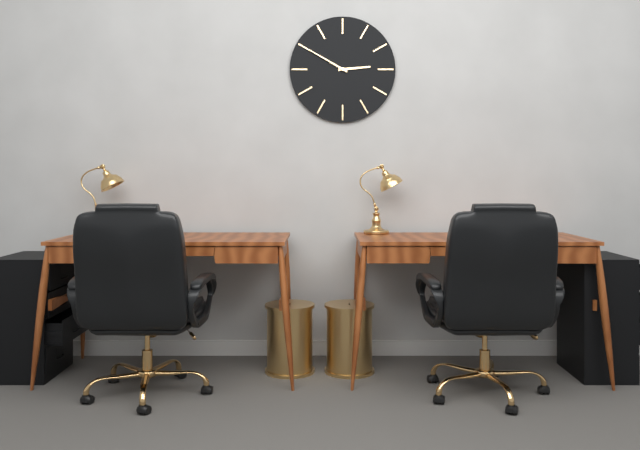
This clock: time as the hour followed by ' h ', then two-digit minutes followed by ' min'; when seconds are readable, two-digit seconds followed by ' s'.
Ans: 2 h 50 min
